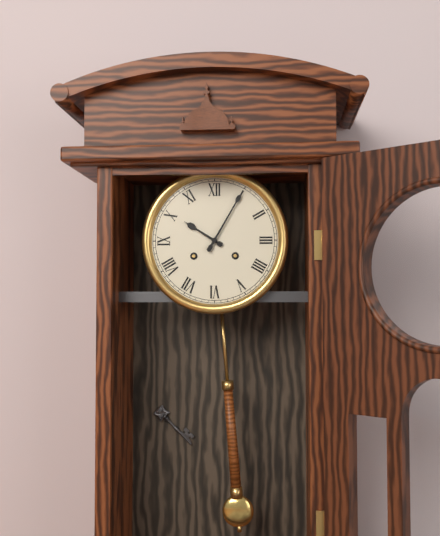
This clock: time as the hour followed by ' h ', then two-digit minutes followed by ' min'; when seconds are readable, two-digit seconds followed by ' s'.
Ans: 10 h 05 min
